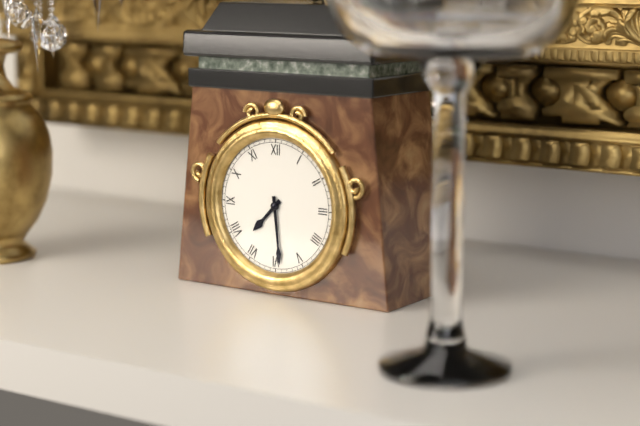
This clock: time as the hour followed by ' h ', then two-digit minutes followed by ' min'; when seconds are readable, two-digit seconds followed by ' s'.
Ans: 7 h 29 min
